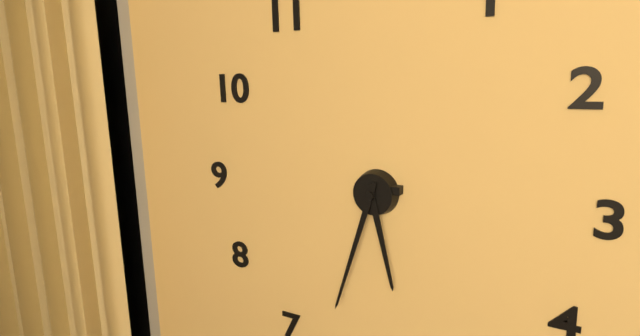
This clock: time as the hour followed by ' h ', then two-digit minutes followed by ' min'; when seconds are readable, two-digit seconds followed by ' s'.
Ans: 5 h 33 min
